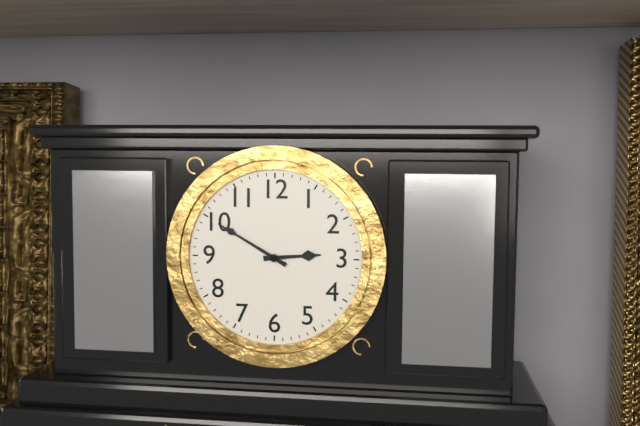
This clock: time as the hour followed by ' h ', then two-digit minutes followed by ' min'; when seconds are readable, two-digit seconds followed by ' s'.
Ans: 2 h 50 min
